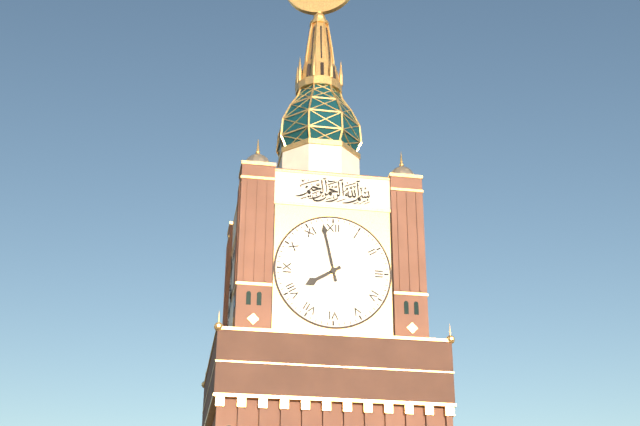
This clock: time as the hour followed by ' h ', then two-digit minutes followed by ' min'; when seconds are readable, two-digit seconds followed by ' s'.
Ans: 7 h 58 min
